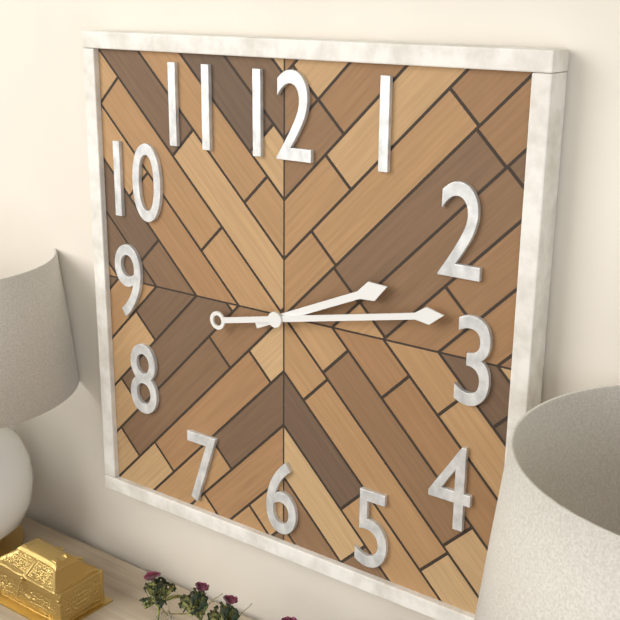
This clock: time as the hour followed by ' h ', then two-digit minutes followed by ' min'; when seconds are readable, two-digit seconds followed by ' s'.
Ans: 2 h 13 min
